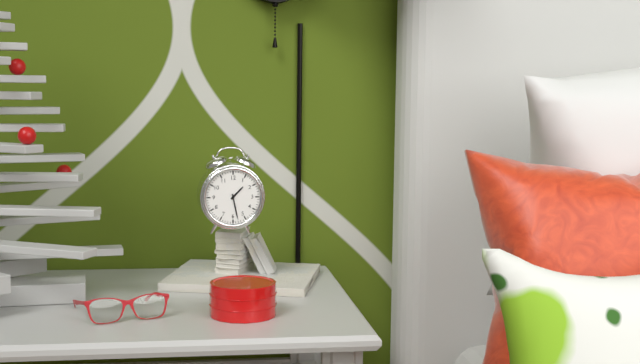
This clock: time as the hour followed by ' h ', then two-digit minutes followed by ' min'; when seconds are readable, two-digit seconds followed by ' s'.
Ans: 1 h 28 min
